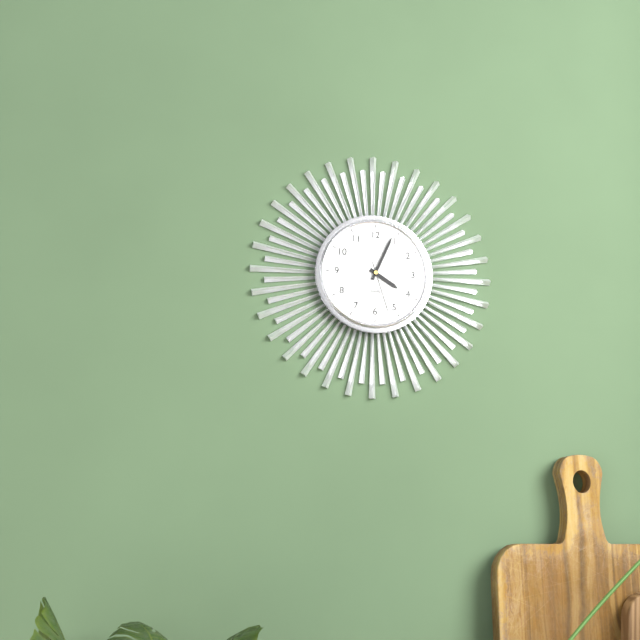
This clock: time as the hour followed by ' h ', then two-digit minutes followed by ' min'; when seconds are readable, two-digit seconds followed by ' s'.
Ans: 4 h 04 min 27 s
